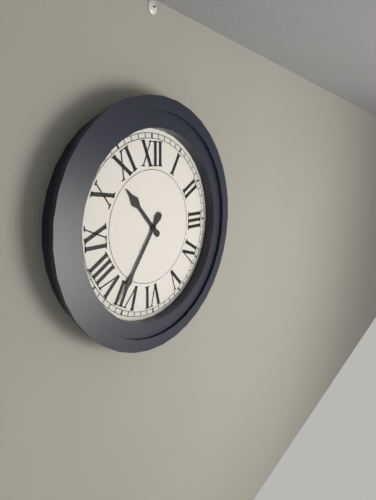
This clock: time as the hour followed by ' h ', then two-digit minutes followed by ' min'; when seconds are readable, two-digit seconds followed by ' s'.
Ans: 10 h 36 min
